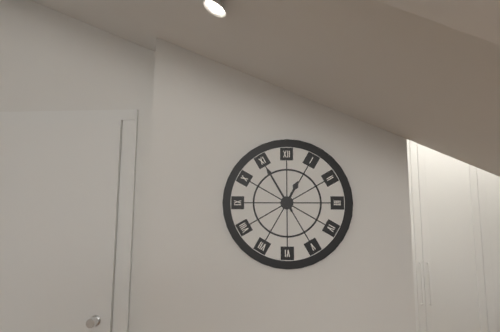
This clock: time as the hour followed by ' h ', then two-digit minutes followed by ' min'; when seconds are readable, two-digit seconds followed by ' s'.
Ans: 12 h 55 min
